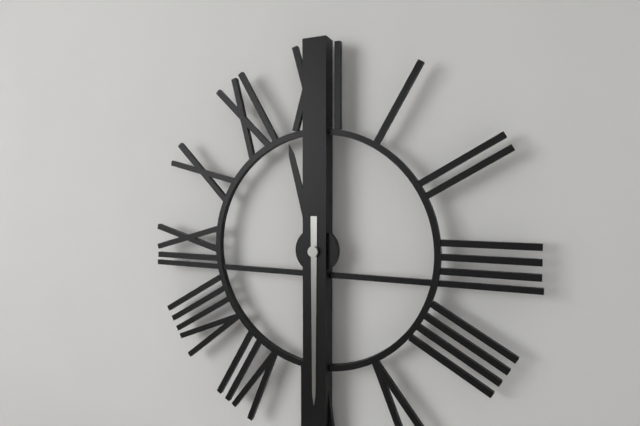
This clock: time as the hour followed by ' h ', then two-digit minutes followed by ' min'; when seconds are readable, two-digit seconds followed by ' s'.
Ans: 11 h 30 min
